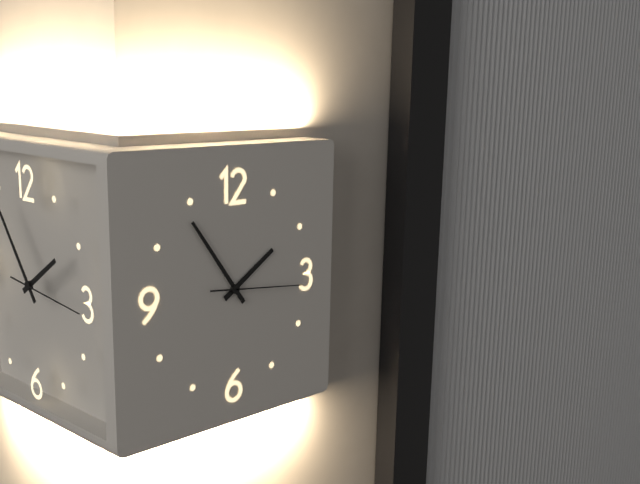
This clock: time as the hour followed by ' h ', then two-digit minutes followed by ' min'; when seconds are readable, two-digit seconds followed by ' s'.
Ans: 1 h 54 min 16 s
